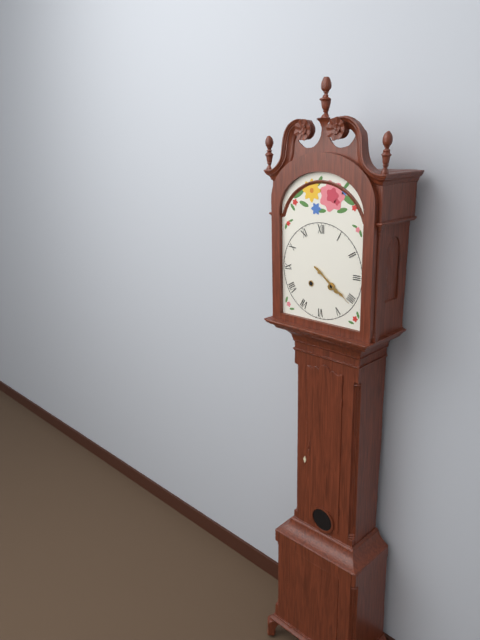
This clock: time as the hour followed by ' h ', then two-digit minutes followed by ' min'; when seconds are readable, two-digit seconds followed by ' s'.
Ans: 4 h 21 min
